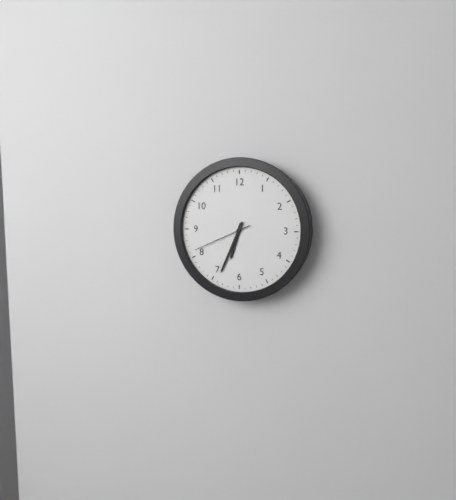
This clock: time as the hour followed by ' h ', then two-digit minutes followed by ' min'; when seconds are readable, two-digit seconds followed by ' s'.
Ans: 6 h 34 min 41 s
